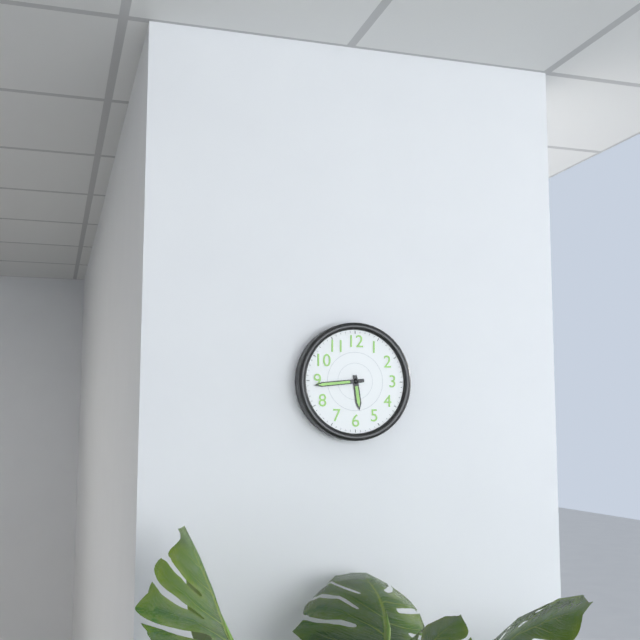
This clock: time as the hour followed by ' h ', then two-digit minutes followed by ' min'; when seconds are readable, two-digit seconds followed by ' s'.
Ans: 5 h 44 min
